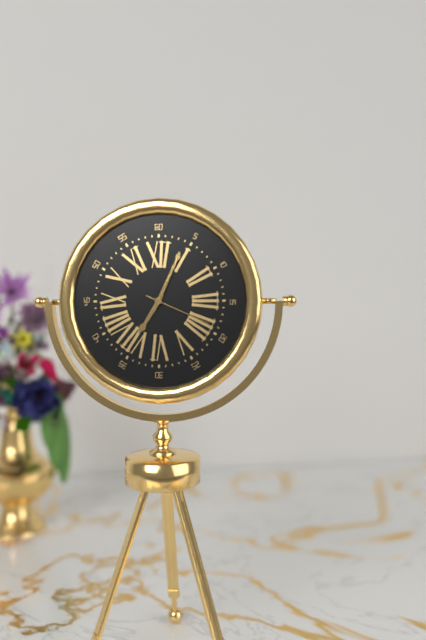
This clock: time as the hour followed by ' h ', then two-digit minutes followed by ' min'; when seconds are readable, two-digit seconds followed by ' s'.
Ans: 7 h 04 min 19 s
